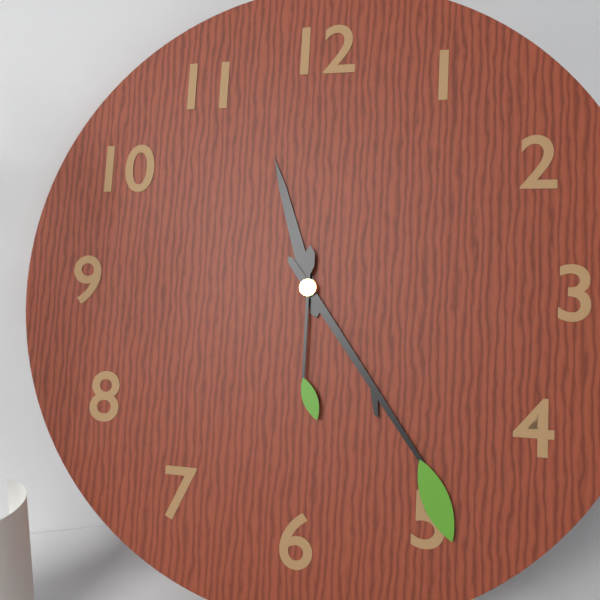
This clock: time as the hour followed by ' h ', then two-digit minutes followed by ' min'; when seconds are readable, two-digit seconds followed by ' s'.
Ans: 11 h 24 min 30 s
